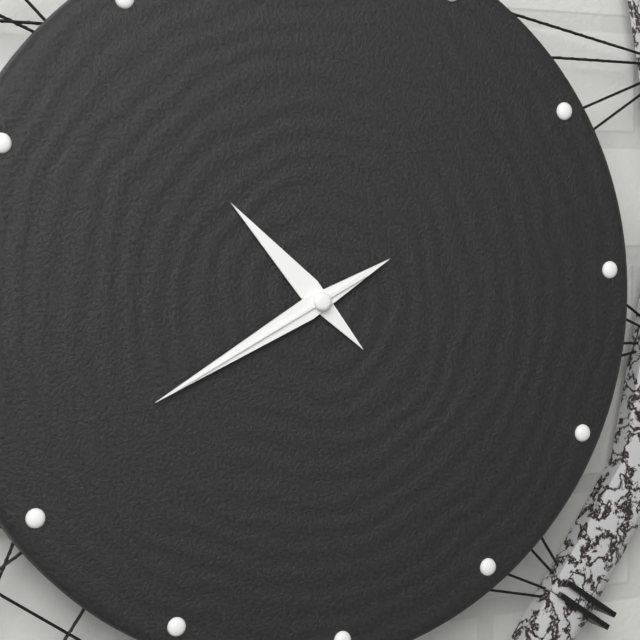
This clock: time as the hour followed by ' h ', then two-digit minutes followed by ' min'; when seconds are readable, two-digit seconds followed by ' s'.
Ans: 10 h 41 min 41 s
